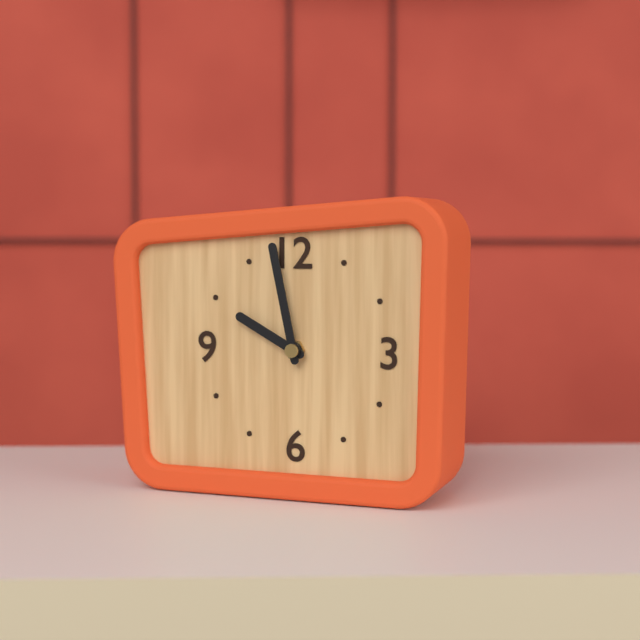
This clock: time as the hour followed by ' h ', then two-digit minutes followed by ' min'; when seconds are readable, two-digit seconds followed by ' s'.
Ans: 9 h 58 min
